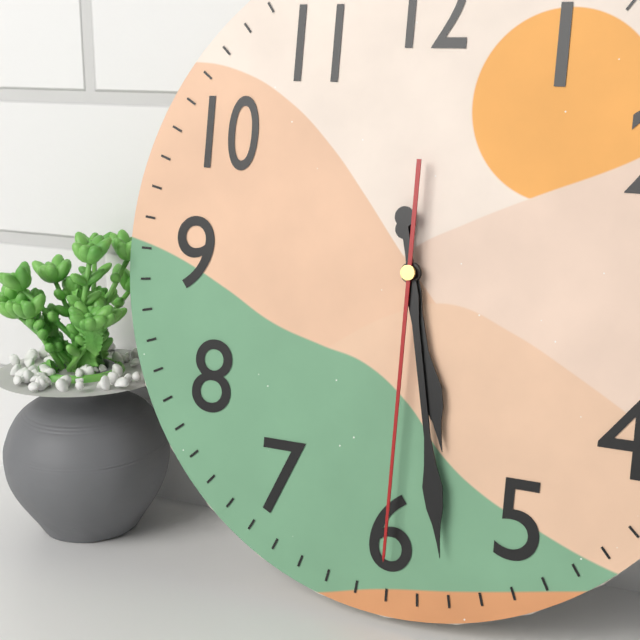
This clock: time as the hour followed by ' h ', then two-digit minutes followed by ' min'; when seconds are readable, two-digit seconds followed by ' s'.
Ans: 5 h 28 min 30 s
